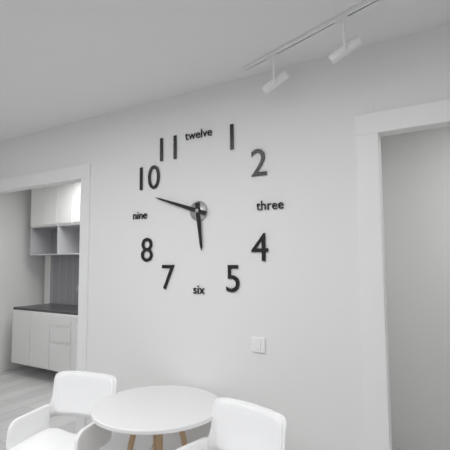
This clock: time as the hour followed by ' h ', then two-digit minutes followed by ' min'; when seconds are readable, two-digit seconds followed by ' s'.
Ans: 5 h 48 min
